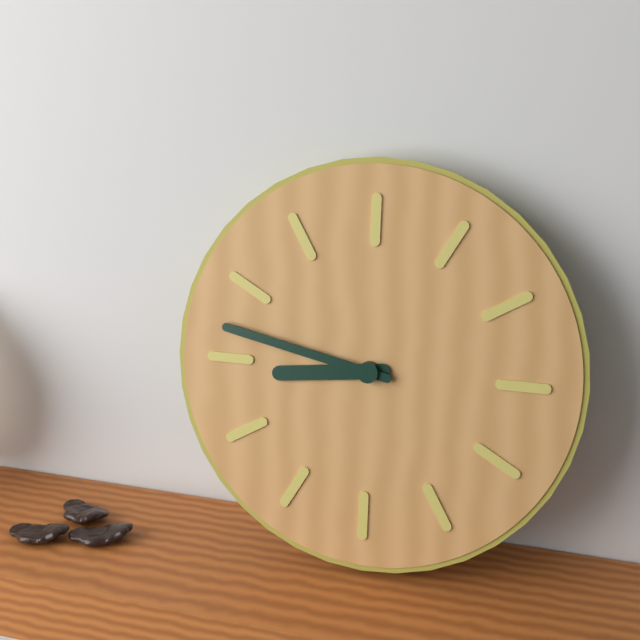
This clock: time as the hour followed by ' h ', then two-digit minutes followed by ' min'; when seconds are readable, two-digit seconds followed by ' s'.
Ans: 8 h 47 min
